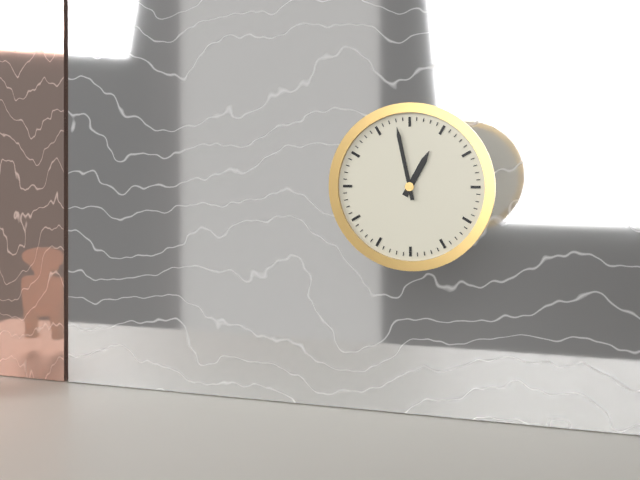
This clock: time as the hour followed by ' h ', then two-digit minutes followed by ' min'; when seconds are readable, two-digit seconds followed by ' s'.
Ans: 12 h 58 min
